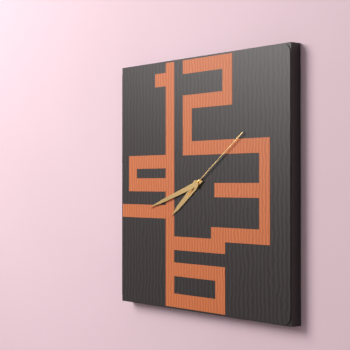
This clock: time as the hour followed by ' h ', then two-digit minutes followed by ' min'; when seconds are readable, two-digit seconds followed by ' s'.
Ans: 7 h 42 min 09 s
